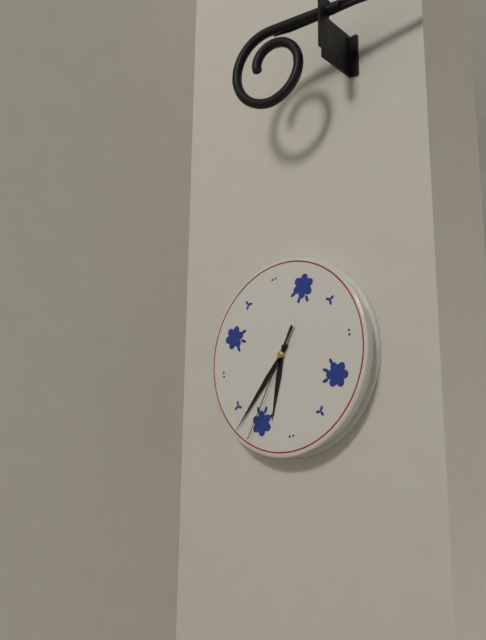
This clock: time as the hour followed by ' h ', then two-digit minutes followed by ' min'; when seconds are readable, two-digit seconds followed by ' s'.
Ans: 6 h 38 min 36 s
